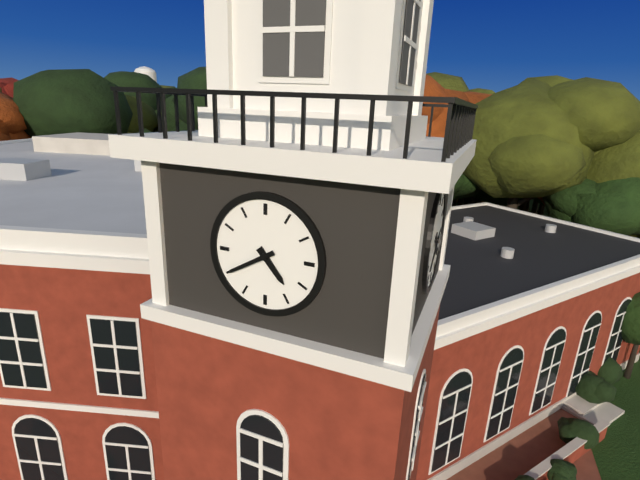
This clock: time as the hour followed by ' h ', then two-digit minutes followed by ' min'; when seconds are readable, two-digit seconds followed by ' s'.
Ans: 4 h 40 min
